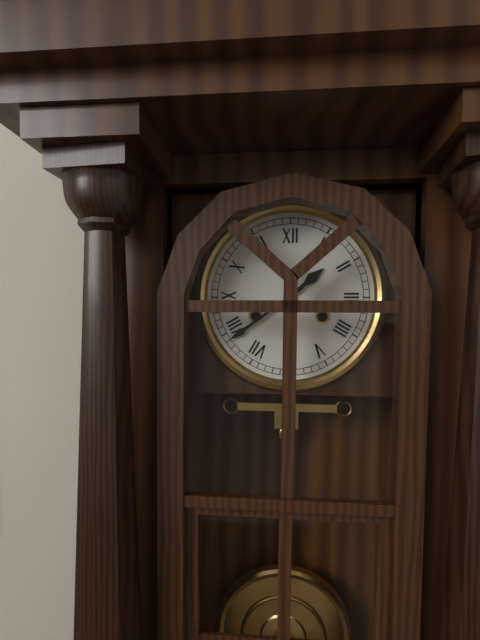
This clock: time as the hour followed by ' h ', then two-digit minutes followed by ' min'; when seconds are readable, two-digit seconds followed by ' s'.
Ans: 1 h 39 min
